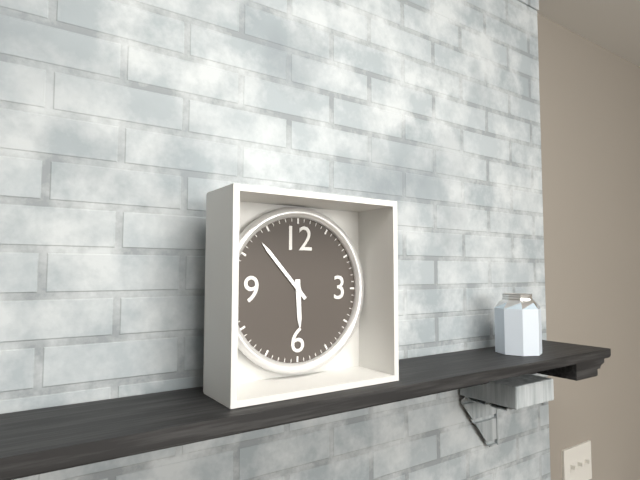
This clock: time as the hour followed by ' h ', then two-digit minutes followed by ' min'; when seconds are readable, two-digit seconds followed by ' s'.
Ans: 5 h 53 min
